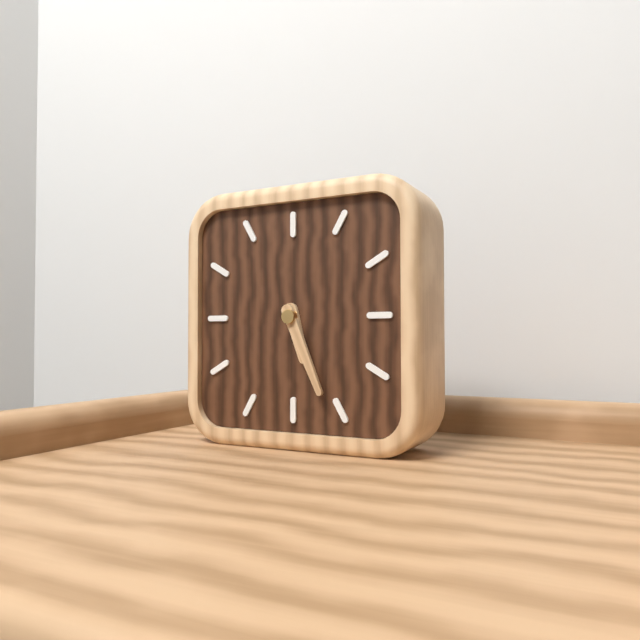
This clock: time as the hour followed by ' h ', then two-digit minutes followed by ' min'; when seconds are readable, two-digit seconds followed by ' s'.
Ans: 5 h 26 min
